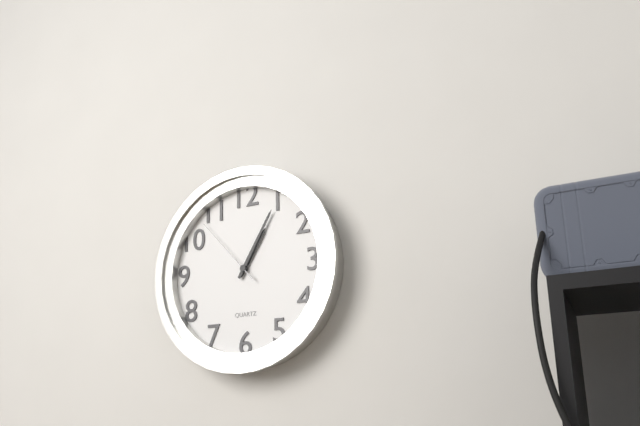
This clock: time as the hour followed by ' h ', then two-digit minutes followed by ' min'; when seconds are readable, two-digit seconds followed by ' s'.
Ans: 1 h 05 min 53 s
